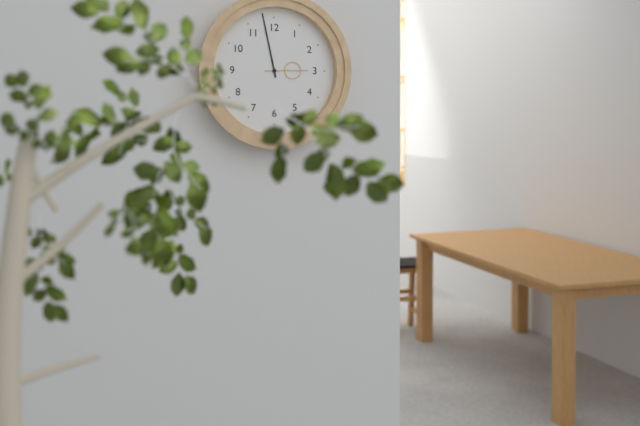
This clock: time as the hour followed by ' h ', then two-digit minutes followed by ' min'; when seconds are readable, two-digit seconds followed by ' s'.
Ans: 2 h 58 min
